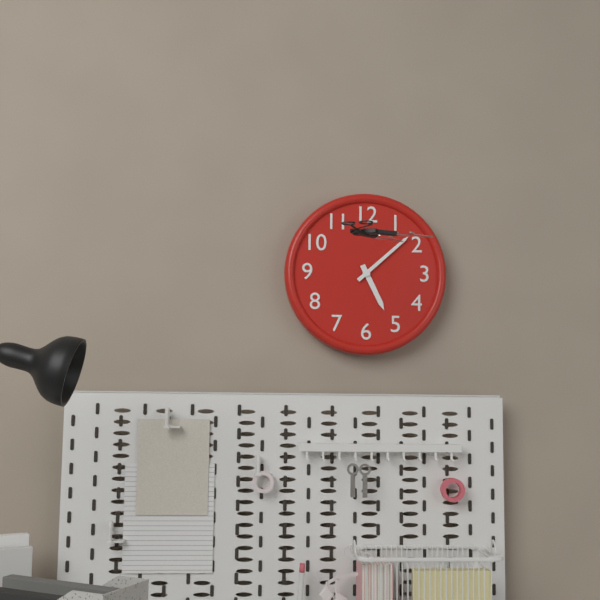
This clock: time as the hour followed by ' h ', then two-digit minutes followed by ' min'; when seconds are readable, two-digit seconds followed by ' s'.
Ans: 5 h 08 min
